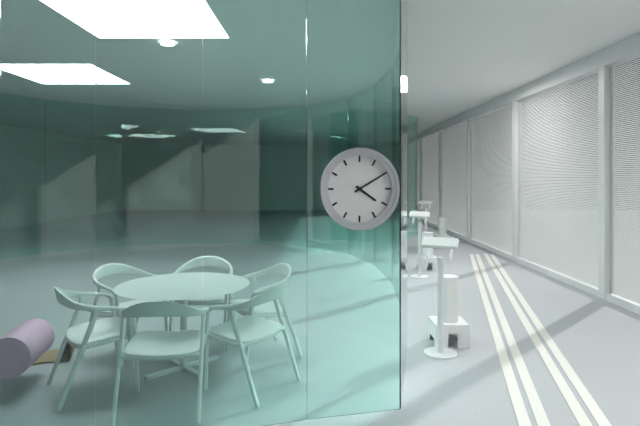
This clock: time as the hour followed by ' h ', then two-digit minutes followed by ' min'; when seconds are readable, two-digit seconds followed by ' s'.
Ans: 4 h 10 min
